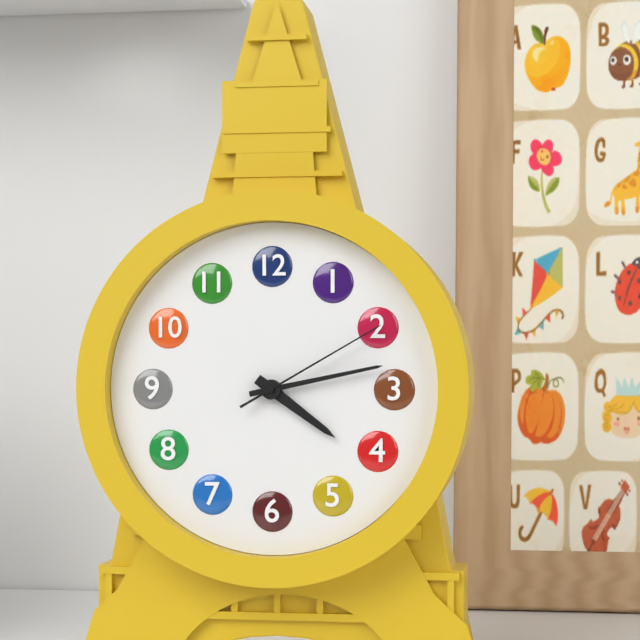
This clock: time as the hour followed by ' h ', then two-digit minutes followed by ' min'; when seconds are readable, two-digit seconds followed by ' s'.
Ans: 4 h 13 min 10 s
